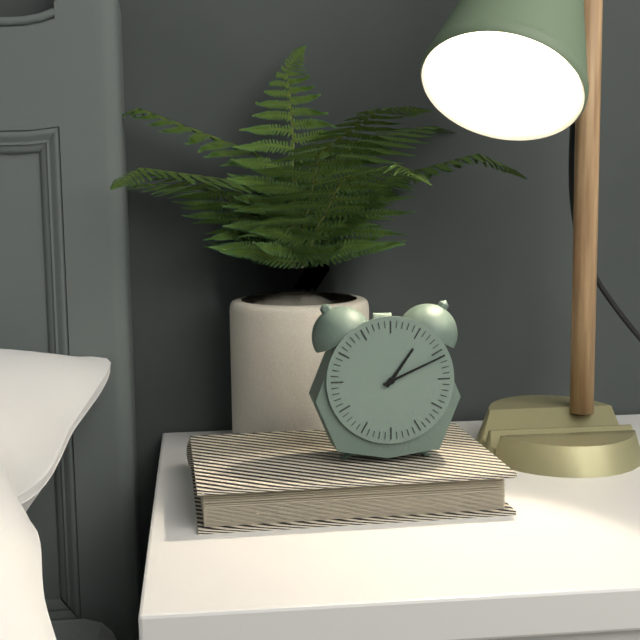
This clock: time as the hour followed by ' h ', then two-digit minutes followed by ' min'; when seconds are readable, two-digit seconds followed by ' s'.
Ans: 1 h 11 min
